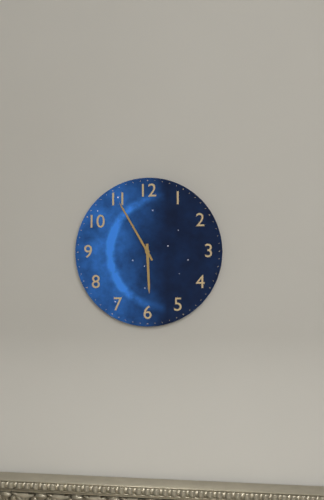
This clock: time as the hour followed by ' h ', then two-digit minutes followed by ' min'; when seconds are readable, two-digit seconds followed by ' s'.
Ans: 5 h 55 min
